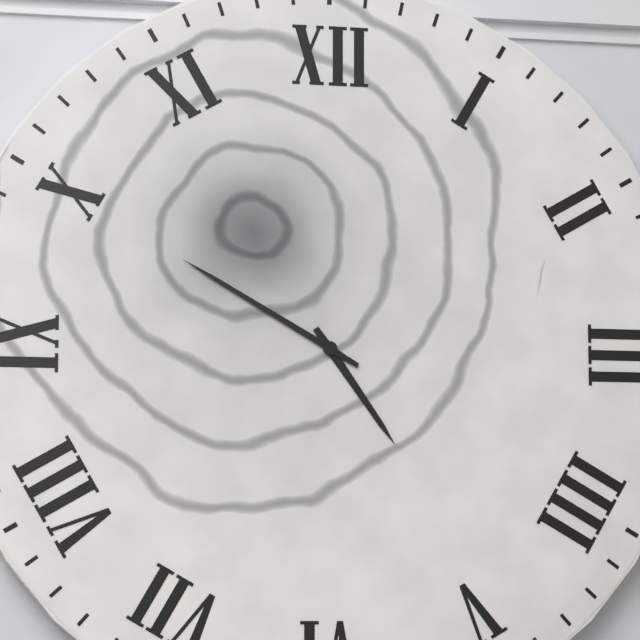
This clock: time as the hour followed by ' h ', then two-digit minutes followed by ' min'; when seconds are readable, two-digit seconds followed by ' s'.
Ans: 4 h 50 min
